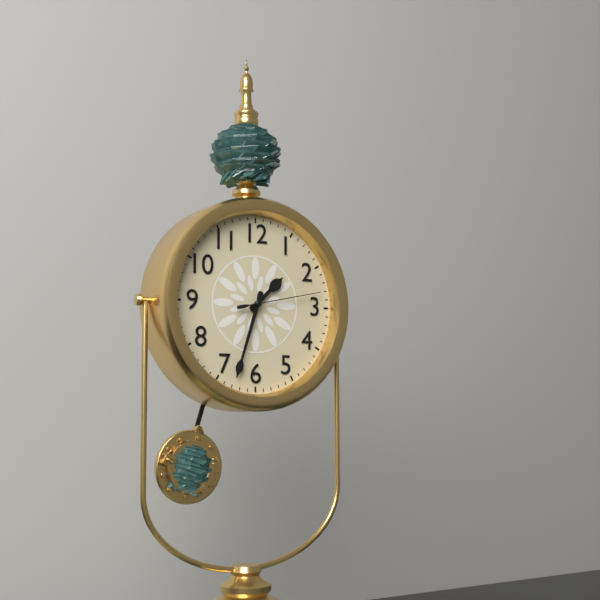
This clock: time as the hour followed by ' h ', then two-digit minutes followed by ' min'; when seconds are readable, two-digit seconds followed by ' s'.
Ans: 1 h 33 min 13 s
